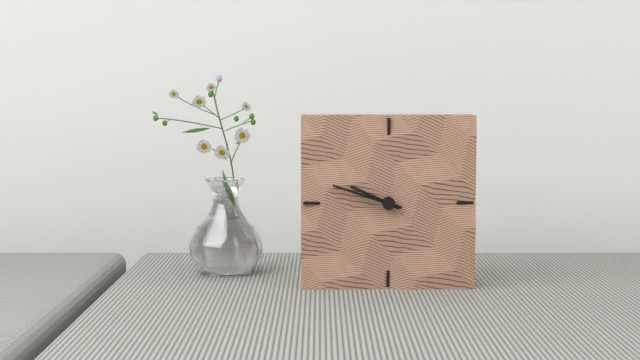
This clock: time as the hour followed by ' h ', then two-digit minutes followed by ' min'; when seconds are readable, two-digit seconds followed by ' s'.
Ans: 9 h 48 min
